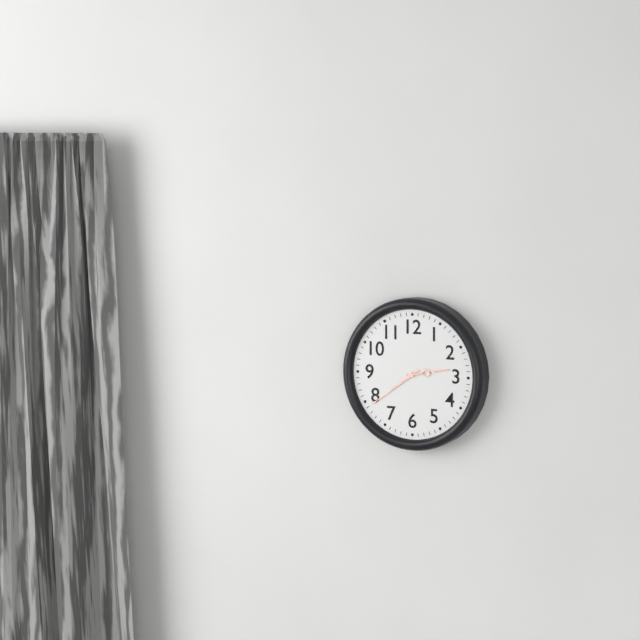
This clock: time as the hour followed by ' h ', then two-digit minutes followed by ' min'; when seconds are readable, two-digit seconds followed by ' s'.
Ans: 2 h 39 min
